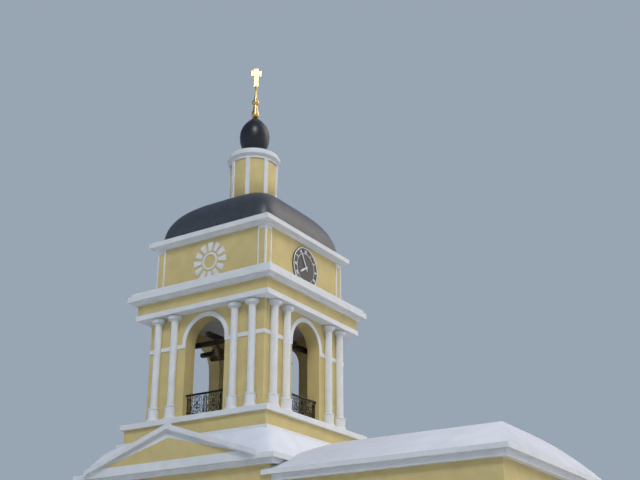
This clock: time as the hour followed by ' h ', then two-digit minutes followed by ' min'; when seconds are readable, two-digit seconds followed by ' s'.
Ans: 7 h 55 min
